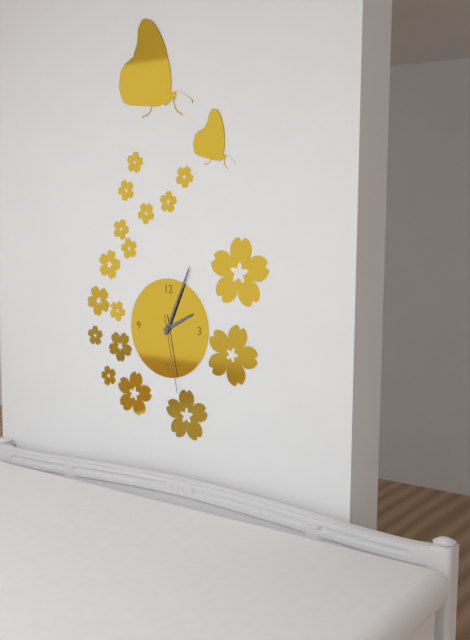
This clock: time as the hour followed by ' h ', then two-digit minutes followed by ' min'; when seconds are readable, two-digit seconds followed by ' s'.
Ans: 2 h 04 min 28 s
